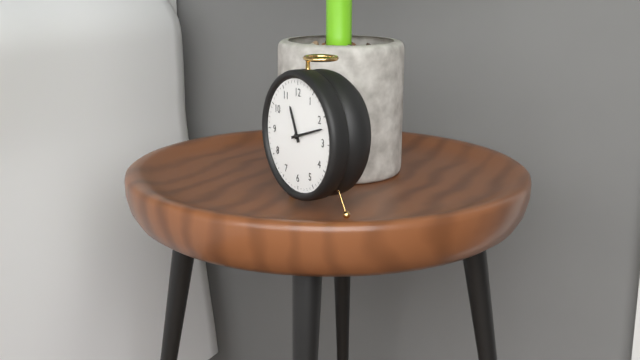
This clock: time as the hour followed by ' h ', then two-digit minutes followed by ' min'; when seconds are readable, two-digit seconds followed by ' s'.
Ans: 11 h 12 min
